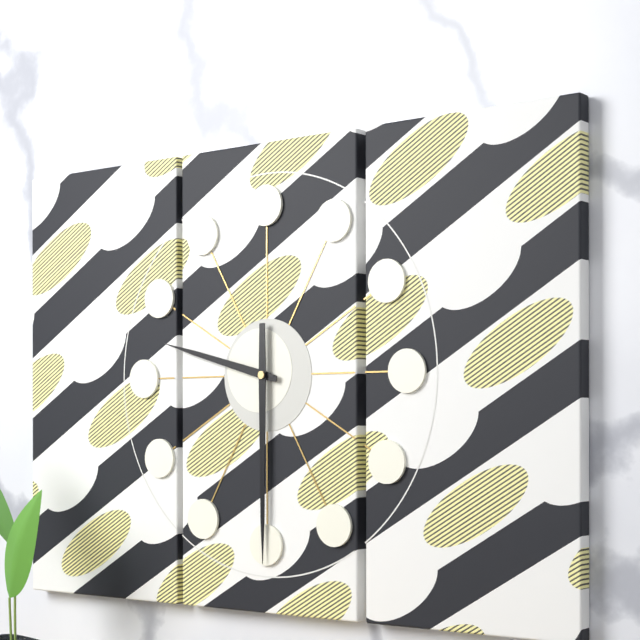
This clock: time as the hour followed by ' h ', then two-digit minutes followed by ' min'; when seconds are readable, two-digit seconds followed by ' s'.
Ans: 9 h 30 min
